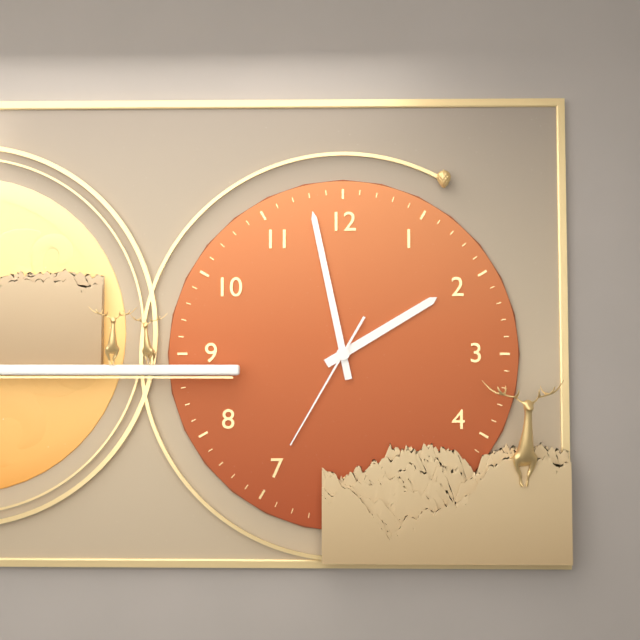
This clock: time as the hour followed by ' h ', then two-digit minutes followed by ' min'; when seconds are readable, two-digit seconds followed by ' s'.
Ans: 1 h 58 min 35 s
